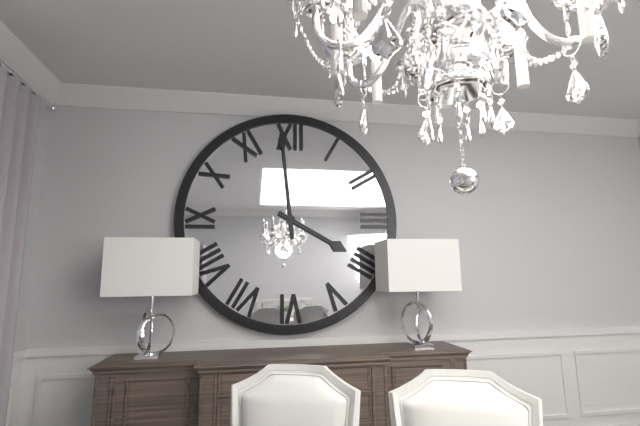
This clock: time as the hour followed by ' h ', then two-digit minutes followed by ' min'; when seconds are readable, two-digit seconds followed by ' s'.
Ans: 3 h 59 min
